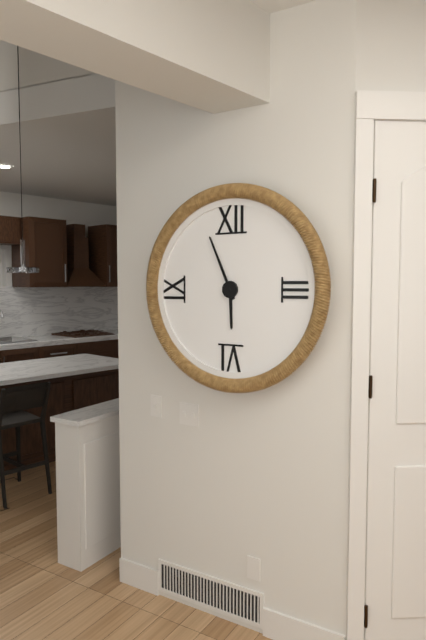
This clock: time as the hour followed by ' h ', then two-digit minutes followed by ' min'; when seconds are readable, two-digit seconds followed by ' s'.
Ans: 5 h 56 min
